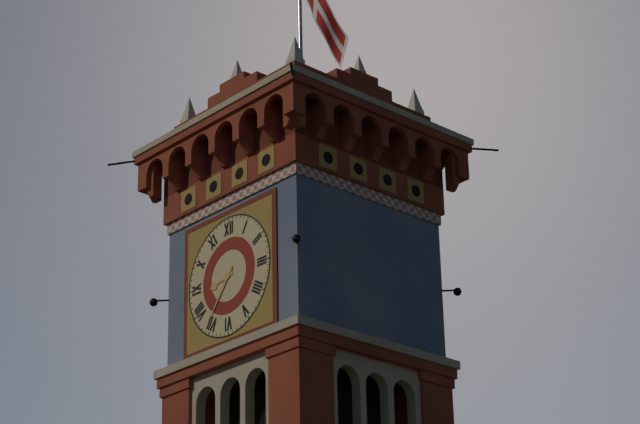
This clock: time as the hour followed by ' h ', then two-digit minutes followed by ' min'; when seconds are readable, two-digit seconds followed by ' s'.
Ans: 8 h 36 min
